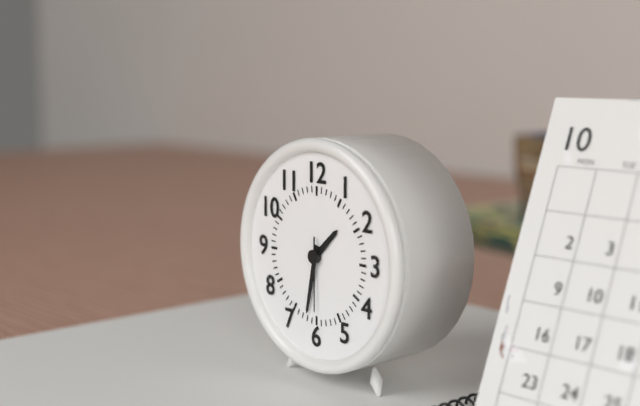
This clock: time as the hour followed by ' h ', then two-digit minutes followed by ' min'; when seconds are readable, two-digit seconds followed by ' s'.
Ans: 1 h 32 min 30 s
